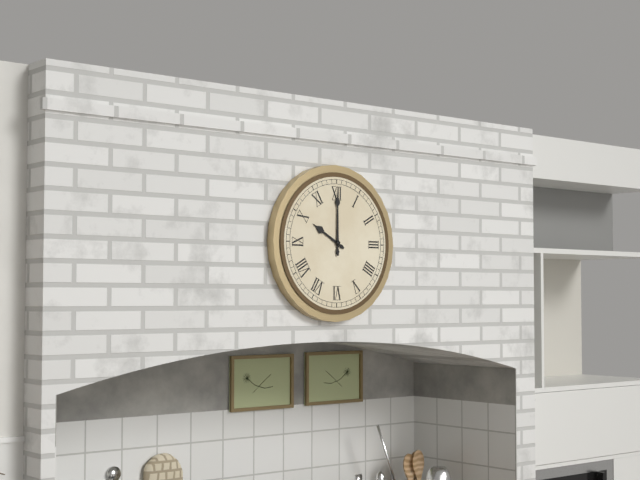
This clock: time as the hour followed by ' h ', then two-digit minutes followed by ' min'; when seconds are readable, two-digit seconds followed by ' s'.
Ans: 10 h 00 min
